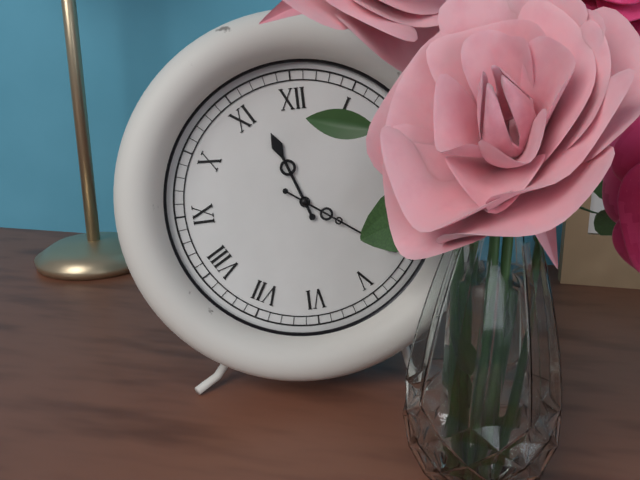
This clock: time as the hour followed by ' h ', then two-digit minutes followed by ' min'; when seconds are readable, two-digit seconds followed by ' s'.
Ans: 11 h 21 min
